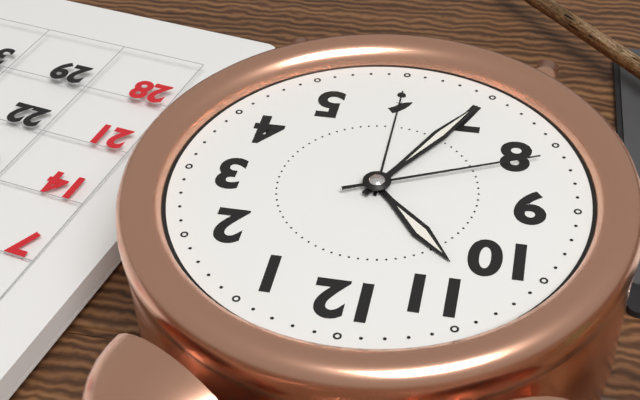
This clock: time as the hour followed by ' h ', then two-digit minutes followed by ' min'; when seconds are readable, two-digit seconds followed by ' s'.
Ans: 10 h 35 min 41 s
